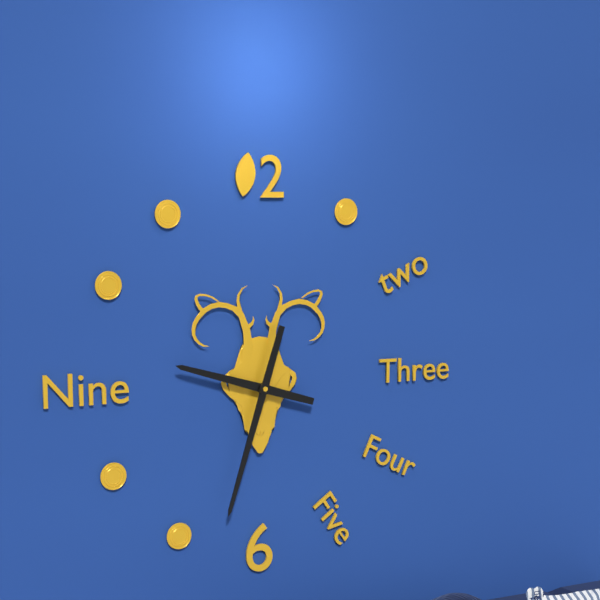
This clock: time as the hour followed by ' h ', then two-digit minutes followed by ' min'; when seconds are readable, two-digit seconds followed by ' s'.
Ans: 9 h 33 min
